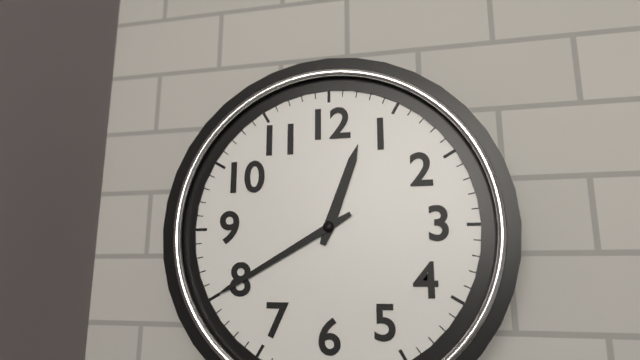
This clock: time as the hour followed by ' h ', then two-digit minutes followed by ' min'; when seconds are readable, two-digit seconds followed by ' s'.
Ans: 12 h 40 min
